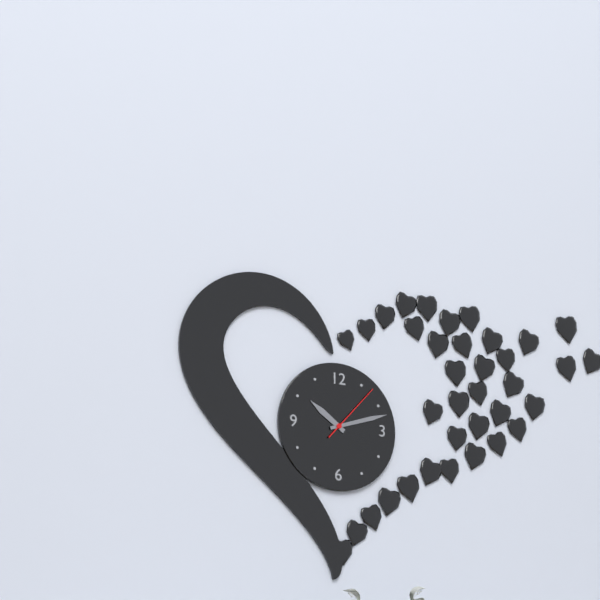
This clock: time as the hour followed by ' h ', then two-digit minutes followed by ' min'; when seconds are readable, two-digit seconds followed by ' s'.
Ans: 10 h 12 min 07 s
